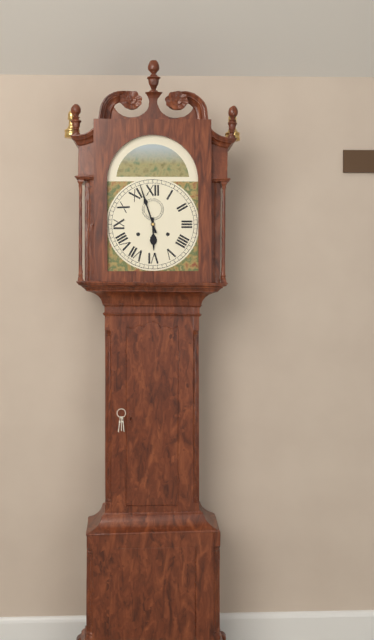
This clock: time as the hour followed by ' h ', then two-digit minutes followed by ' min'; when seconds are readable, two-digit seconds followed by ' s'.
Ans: 5 h 57 min
